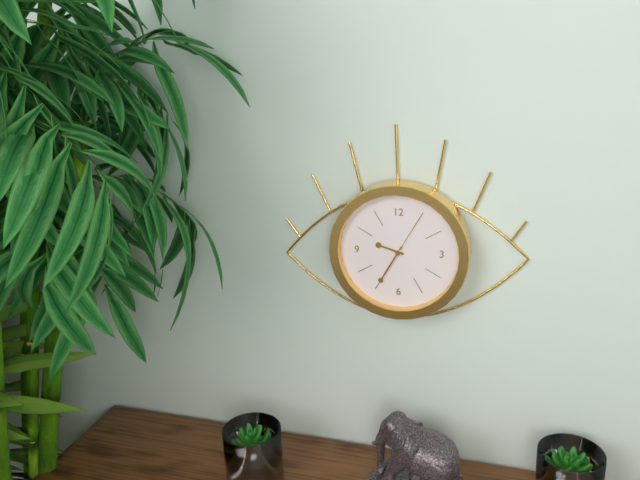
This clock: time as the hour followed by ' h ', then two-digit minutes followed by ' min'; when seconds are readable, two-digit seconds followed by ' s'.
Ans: 9 h 35 min 05 s
